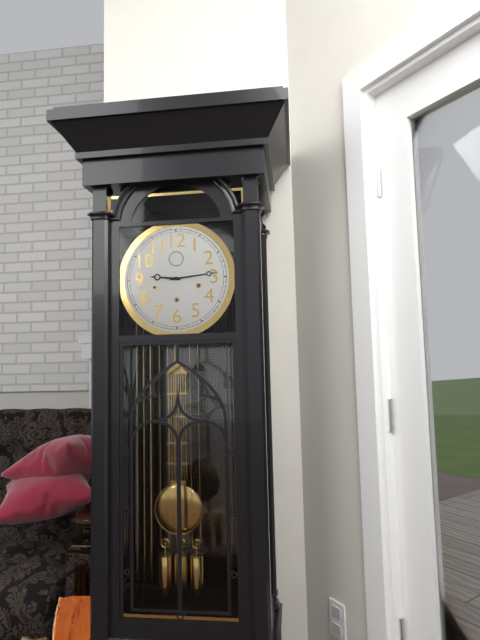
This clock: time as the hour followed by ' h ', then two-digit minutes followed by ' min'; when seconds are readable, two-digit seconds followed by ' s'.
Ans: 9 h 14 min
